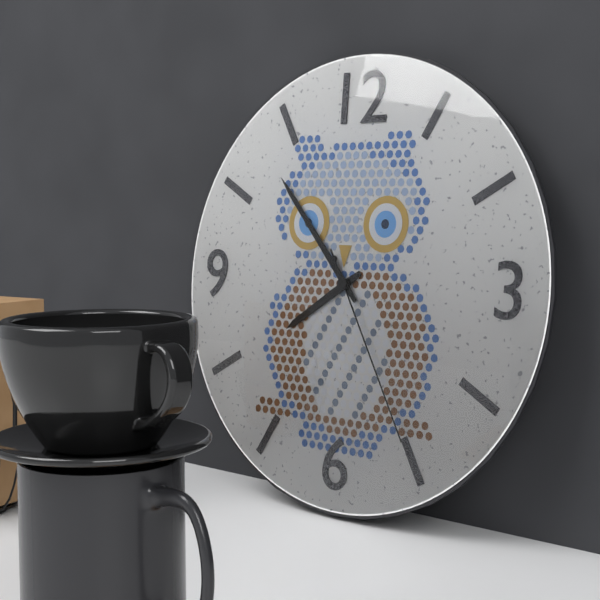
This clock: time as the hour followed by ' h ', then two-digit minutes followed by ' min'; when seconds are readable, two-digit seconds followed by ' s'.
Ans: 7 h 53 min 25 s
